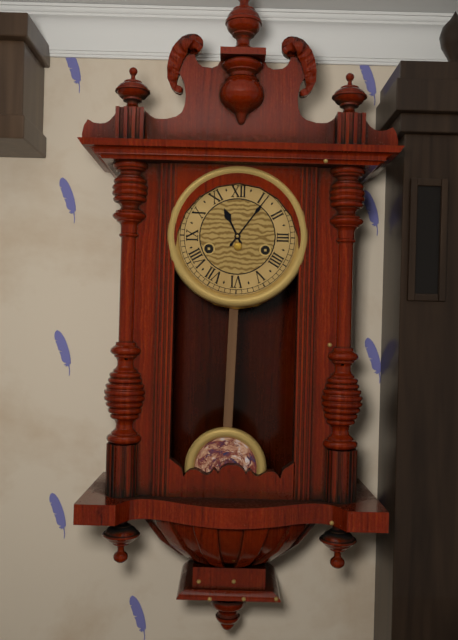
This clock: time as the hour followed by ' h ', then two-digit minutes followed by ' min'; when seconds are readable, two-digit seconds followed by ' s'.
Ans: 11 h 06 min
